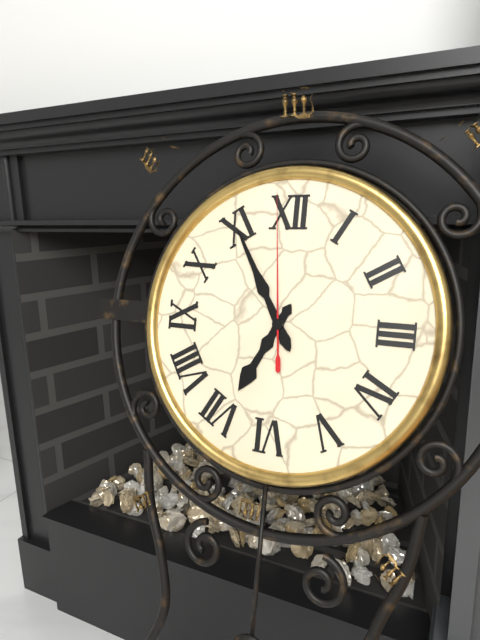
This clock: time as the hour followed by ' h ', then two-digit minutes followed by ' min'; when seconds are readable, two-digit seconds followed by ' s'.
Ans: 6 h 55 min 59 s
